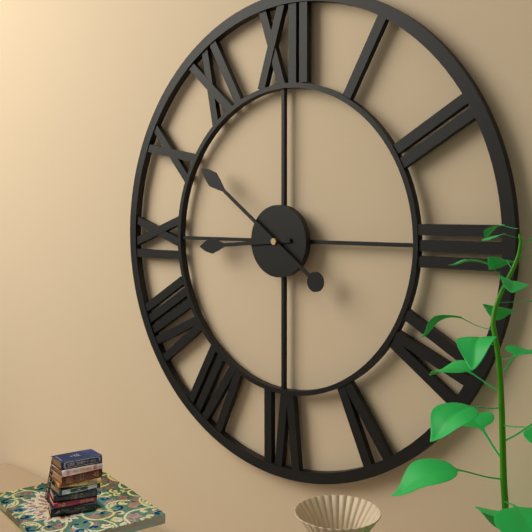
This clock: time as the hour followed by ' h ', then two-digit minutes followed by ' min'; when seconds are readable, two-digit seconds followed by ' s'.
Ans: 8 h 51 min
